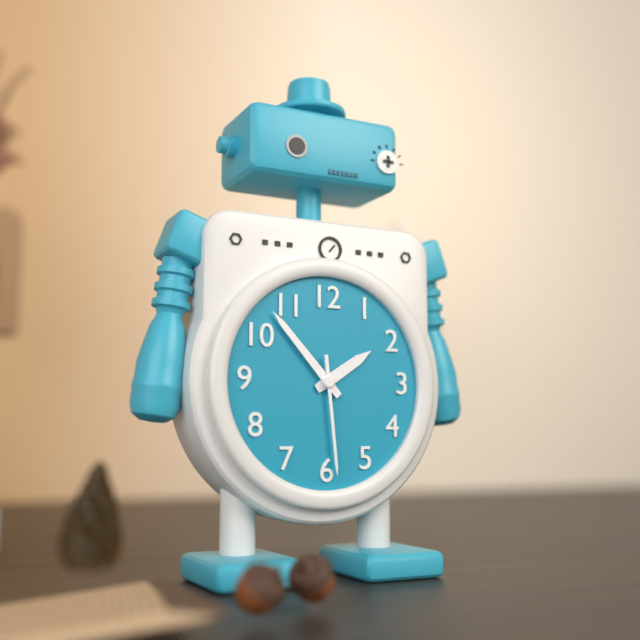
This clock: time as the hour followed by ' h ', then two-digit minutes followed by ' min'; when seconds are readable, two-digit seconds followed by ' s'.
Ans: 1 h 53 min 29 s
